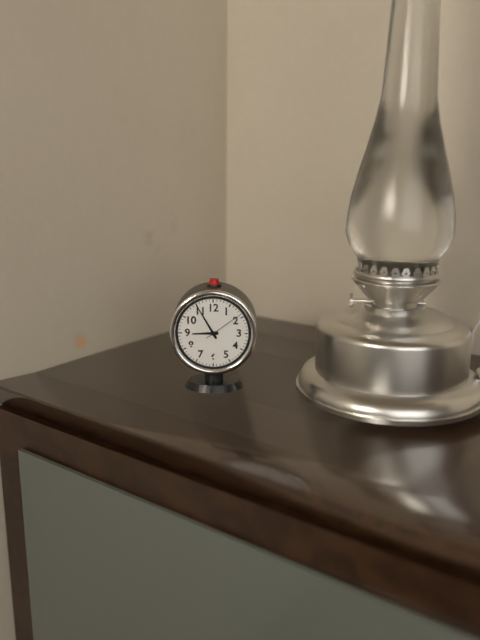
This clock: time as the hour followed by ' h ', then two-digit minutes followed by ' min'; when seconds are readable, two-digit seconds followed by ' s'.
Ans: 8 h 55 min
